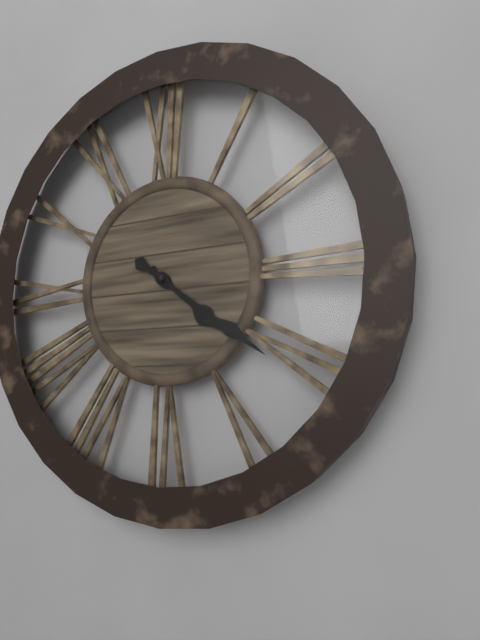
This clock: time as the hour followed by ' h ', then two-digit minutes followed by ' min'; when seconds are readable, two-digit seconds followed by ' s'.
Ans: 4 h 21 min
